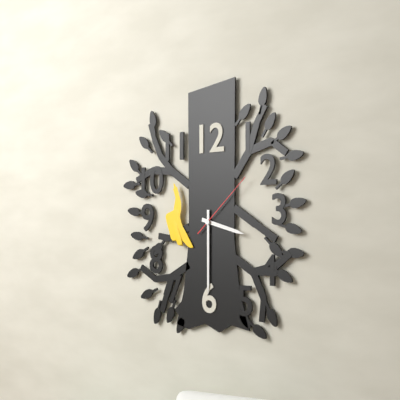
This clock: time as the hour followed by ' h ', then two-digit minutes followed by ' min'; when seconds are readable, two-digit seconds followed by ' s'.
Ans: 3 h 30 min 08 s
